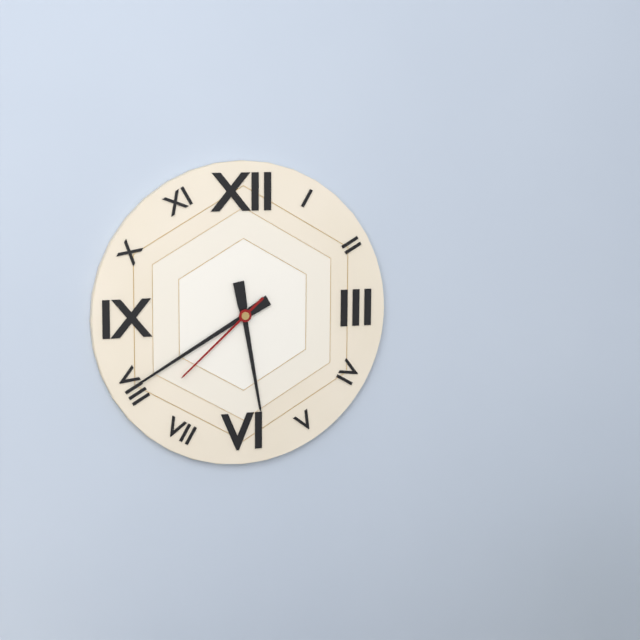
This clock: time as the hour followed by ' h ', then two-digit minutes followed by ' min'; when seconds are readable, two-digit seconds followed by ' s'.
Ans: 5 h 40 min 38 s
